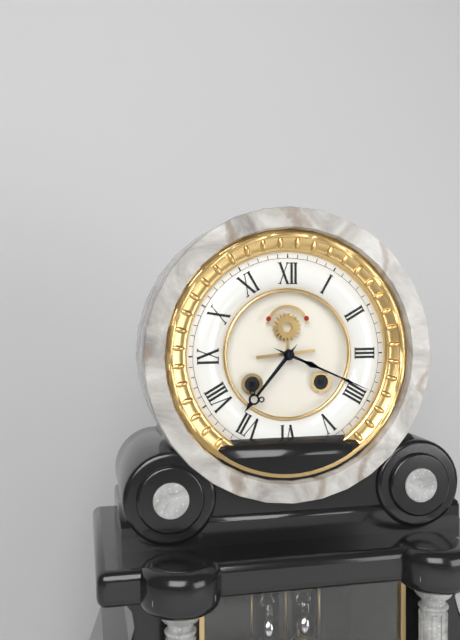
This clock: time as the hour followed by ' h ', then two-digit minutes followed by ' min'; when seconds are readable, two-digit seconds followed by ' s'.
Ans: 7 h 19 min
